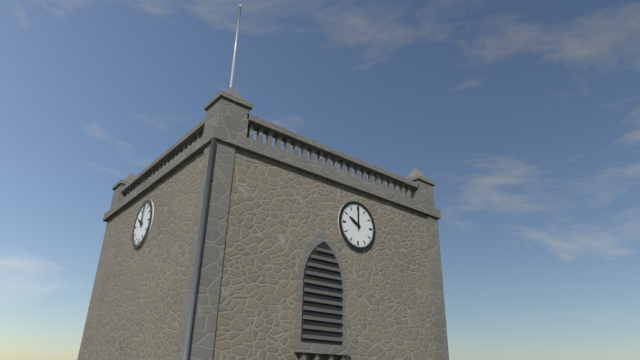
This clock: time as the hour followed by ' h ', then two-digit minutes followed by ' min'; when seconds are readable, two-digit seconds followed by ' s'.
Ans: 10 h 00 min
